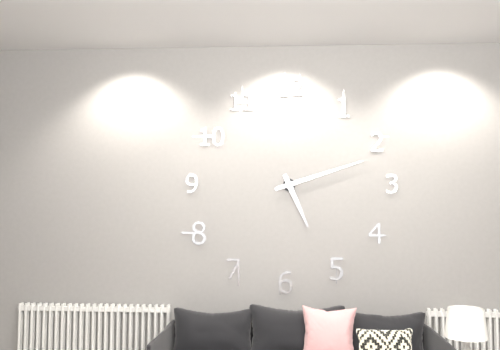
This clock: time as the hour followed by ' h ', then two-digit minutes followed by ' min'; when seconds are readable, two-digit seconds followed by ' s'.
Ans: 5 h 12 min
